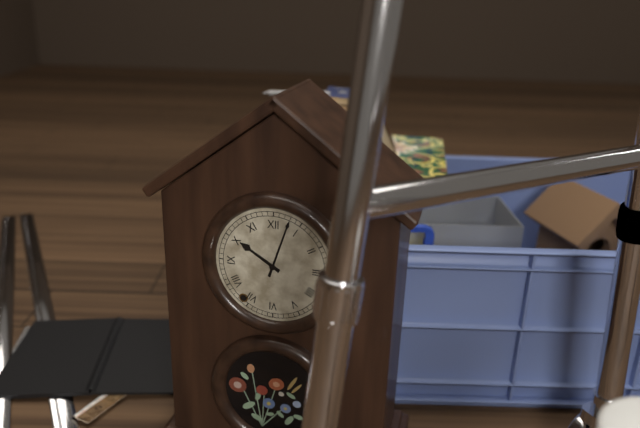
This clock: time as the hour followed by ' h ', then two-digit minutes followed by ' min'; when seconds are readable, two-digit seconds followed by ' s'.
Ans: 10 h 03 min
